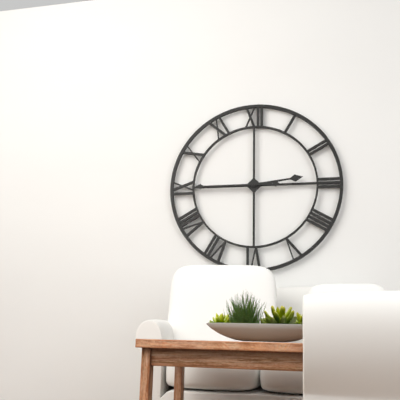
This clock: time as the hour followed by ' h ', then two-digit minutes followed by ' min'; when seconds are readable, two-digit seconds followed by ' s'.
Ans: 2 h 45 min
